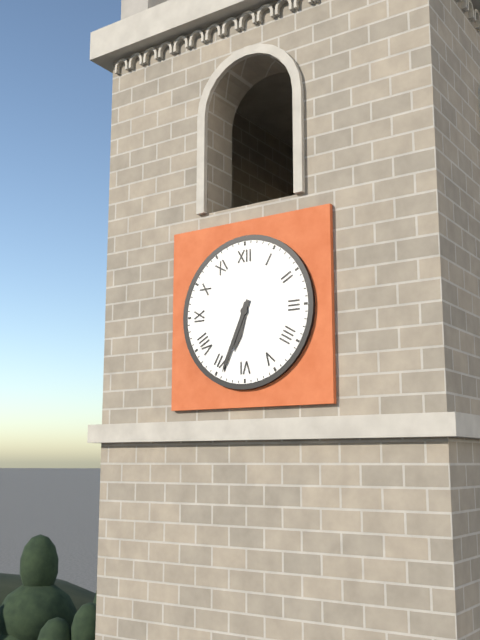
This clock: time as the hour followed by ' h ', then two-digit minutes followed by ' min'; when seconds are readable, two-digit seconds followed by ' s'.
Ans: 6 h 34 min
